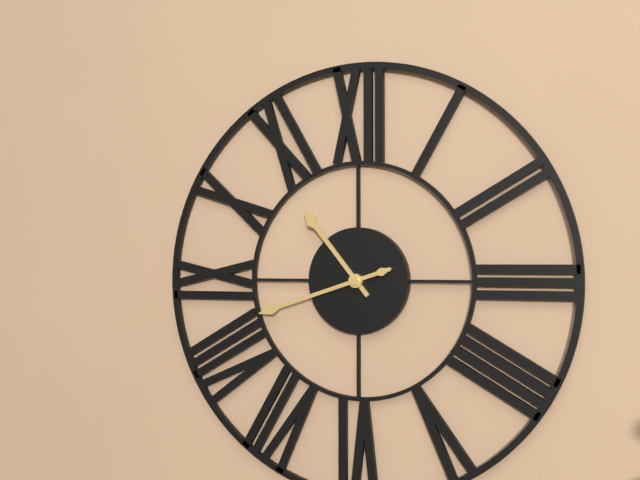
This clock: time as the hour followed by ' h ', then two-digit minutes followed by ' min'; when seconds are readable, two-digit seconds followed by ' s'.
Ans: 10 h 42 min
